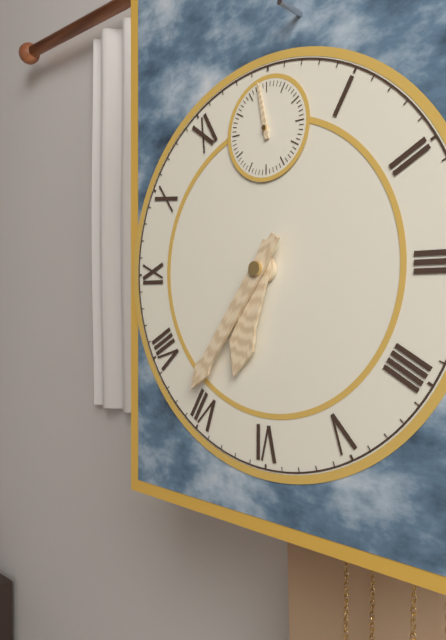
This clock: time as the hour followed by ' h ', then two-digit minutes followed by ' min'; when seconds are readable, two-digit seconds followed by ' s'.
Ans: 6 h 36 min 58 s
